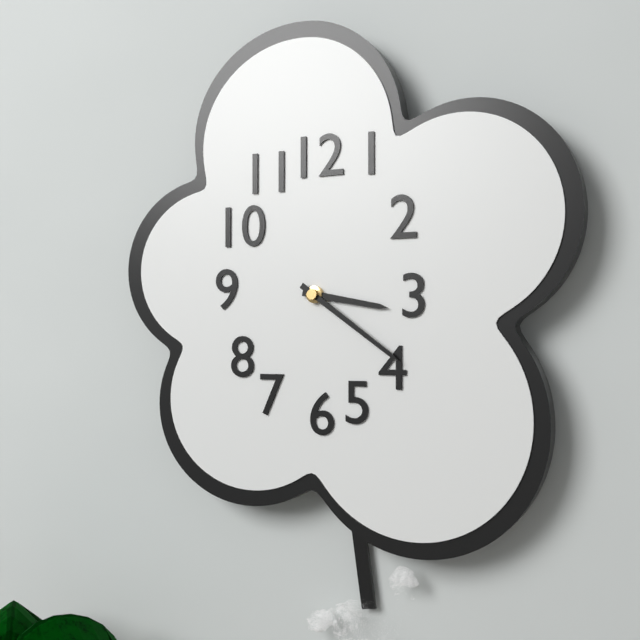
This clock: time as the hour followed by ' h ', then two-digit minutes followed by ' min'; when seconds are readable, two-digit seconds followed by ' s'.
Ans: 3 h 21 min
